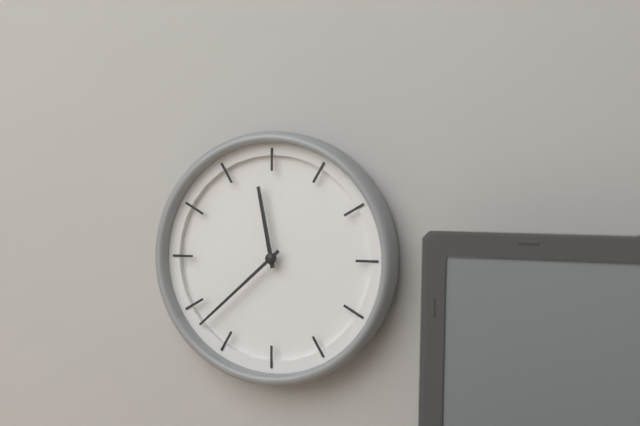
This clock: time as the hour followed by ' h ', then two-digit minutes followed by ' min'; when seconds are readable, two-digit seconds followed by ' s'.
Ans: 11 h 38 min
